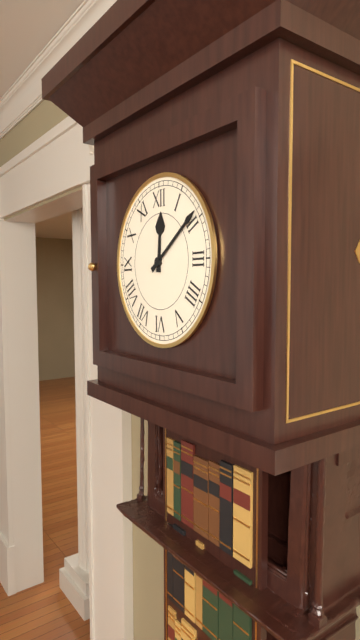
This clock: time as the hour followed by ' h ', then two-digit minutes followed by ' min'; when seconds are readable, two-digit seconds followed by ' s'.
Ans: 12 h 09 min
